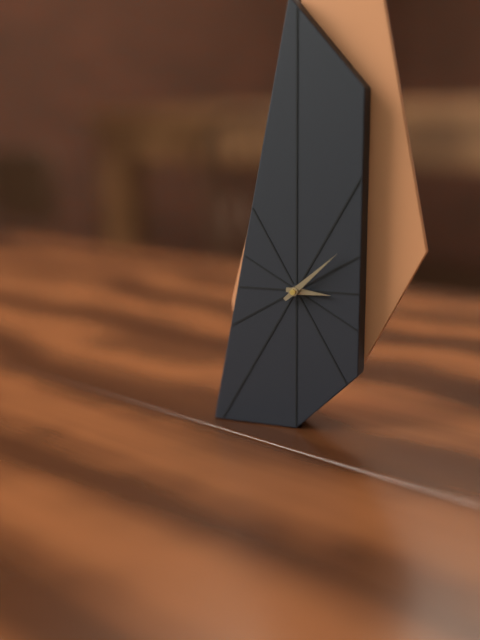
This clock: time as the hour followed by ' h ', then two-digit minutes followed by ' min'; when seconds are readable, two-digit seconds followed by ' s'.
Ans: 3 h 08 min
